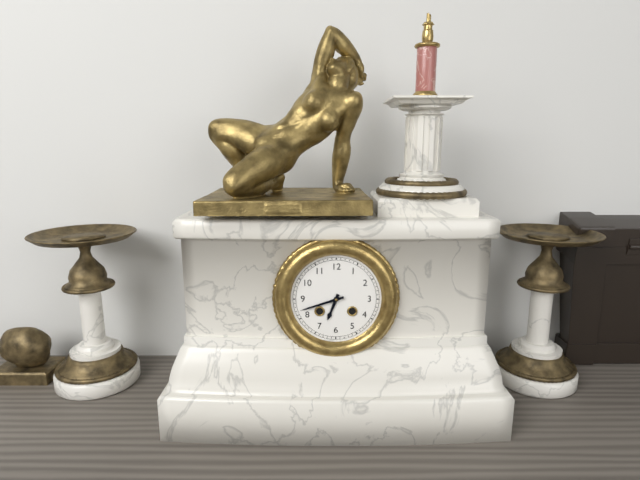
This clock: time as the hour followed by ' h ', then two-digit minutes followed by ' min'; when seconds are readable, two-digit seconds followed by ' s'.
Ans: 6 h 42 min
